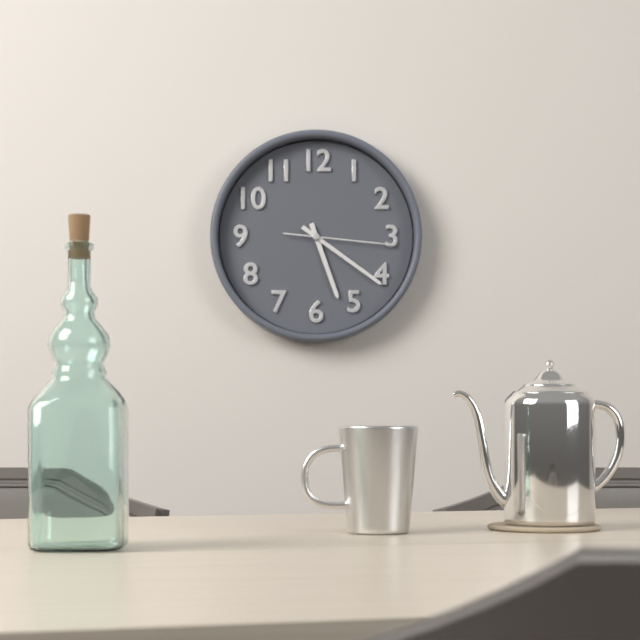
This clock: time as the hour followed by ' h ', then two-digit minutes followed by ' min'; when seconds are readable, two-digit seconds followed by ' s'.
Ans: 5 h 21 min 16 s
